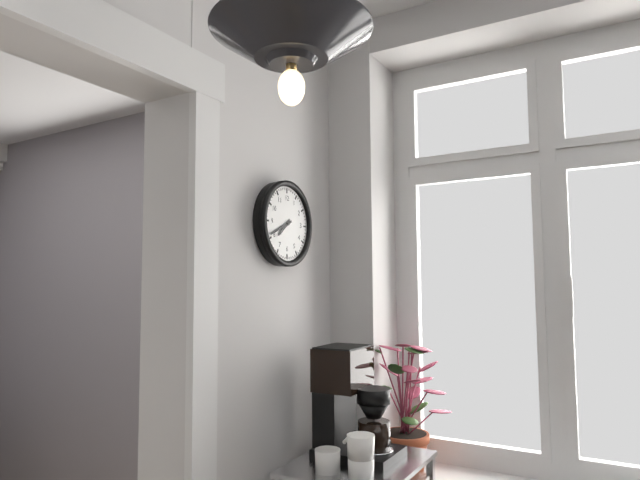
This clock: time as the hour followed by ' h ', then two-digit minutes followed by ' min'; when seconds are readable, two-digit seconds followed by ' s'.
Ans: 7 h 41 min
